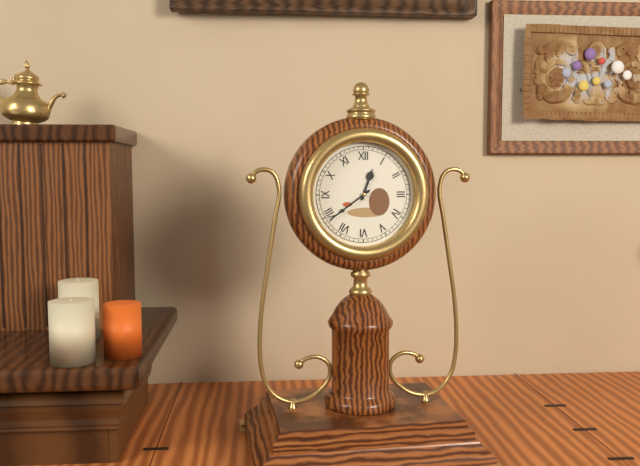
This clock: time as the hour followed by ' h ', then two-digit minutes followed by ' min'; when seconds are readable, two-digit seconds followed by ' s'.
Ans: 12 h 39 min
